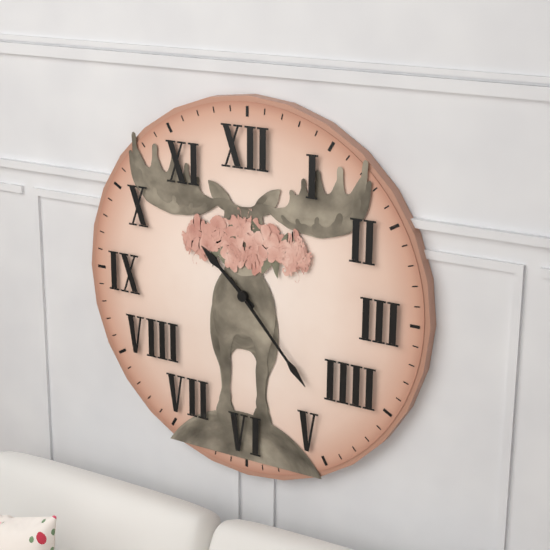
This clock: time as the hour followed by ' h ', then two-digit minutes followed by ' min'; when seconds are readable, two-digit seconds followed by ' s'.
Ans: 10 h 23 min
